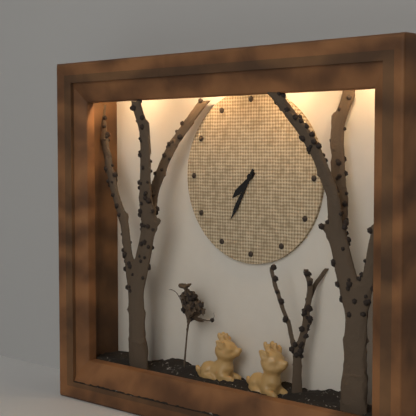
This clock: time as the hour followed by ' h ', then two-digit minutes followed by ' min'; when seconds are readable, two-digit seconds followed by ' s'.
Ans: 7 h 35 min
